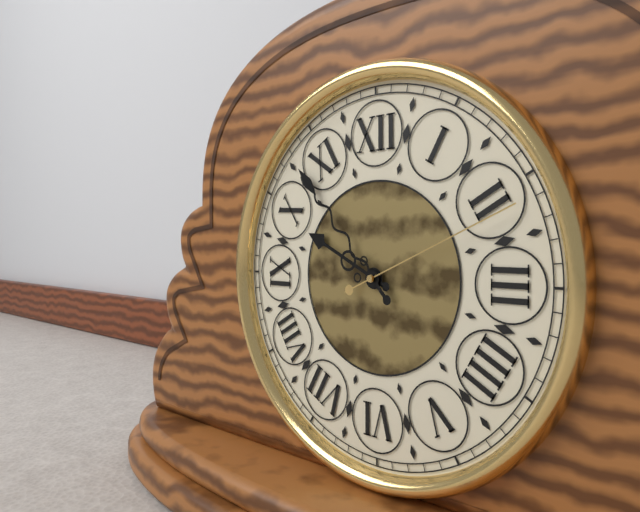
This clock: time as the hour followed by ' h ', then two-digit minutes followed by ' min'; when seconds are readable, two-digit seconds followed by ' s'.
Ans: 9 h 53 min 11 s
